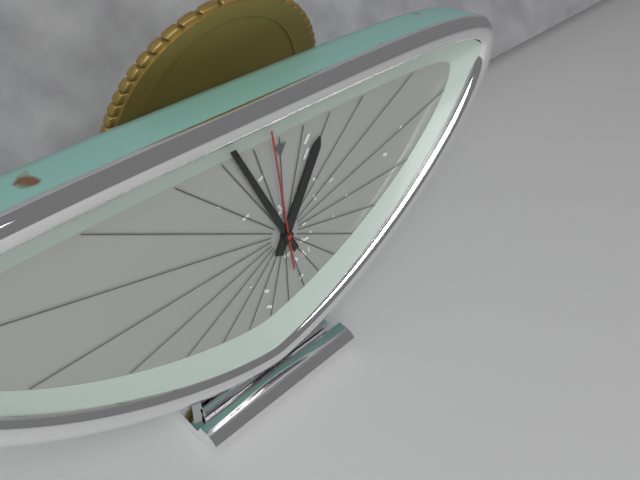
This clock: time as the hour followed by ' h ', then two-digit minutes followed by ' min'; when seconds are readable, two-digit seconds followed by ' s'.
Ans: 12 h 56 min 59 s
